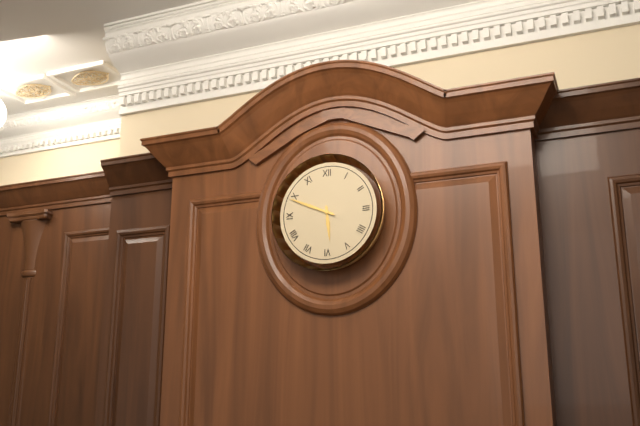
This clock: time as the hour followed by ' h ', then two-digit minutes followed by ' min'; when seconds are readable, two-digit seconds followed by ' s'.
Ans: 5 h 49 min
